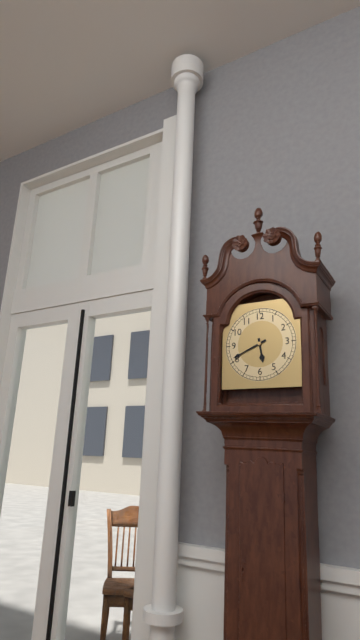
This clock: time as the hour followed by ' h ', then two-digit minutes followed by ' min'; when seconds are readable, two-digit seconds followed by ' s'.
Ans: 5 h 41 min
